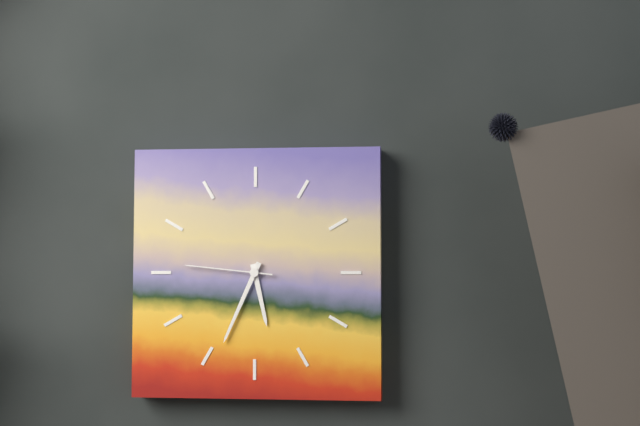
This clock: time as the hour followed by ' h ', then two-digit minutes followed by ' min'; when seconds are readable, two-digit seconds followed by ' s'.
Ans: 5 h 34 min 46 s
